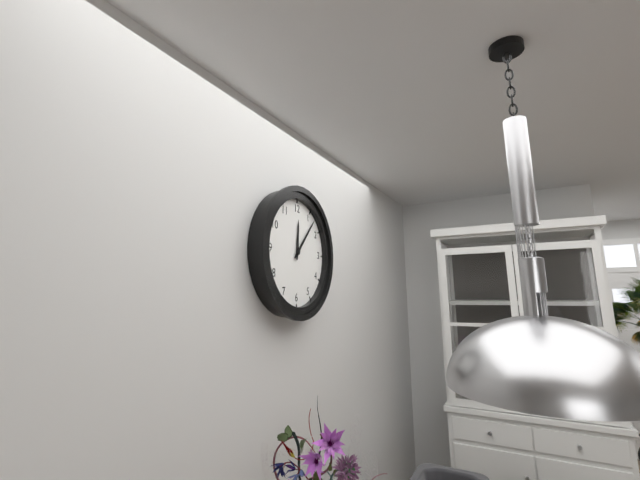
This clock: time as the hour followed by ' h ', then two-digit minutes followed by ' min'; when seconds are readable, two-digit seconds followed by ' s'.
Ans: 12 h 07 min
